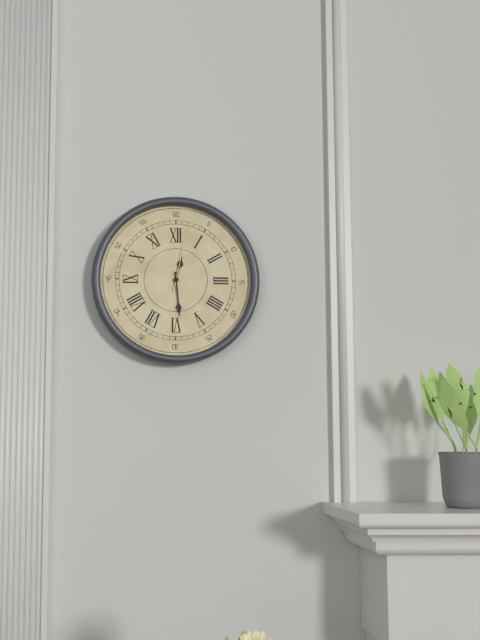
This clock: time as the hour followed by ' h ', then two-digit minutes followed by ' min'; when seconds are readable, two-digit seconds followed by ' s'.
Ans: 12 h 29 min 02 s
